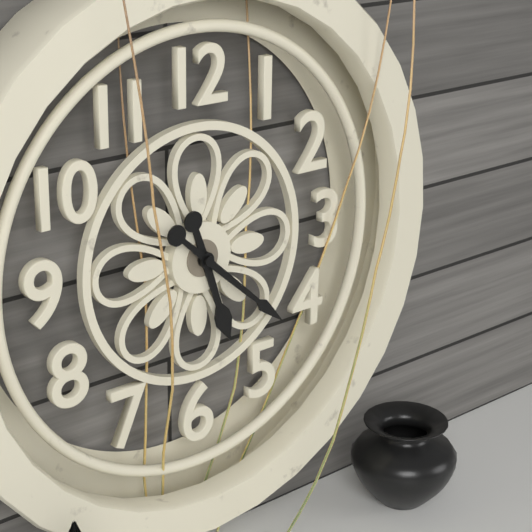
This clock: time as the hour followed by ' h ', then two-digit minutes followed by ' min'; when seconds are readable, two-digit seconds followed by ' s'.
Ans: 5 h 22 min
